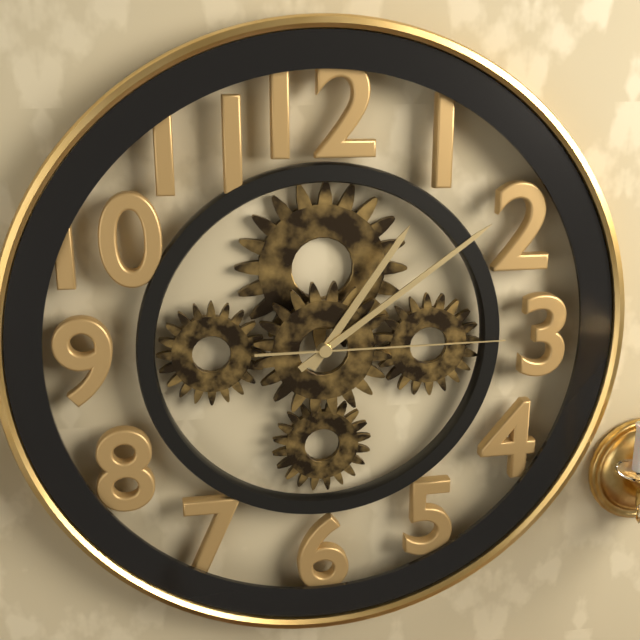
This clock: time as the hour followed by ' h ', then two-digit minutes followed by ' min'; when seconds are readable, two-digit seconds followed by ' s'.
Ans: 1 h 09 min 15 s
